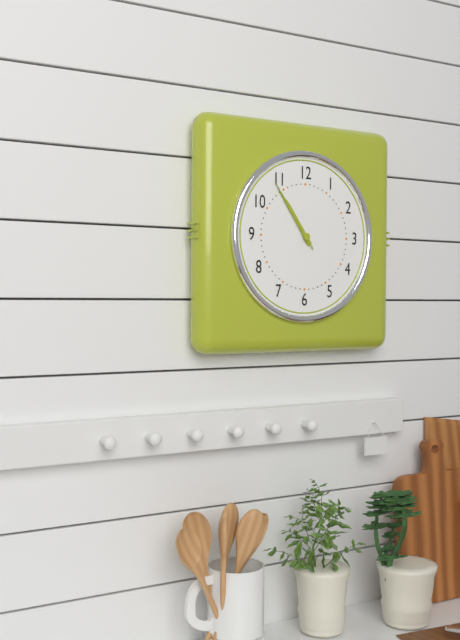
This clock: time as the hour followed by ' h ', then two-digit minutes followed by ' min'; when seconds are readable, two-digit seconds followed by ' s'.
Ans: 10 h 54 min 54 s
